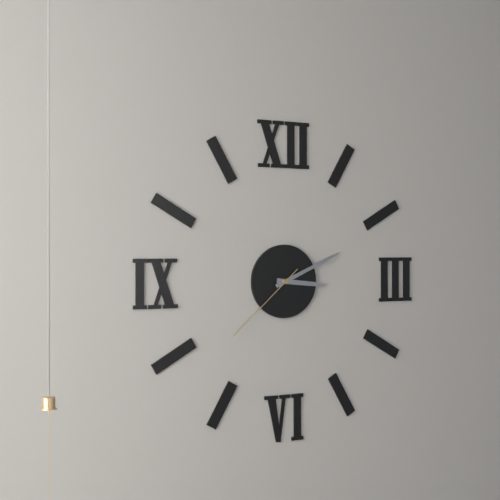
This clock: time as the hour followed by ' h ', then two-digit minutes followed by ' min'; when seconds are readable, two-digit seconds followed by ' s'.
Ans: 3 h 11 min 38 s
